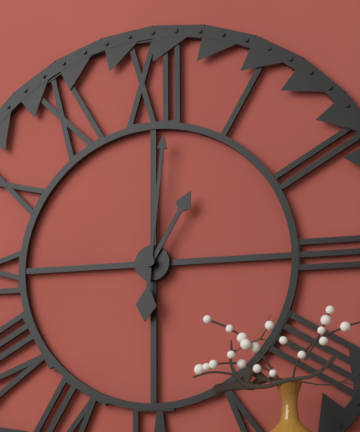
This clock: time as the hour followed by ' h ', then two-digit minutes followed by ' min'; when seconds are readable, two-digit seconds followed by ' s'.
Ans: 1 h 01 min
